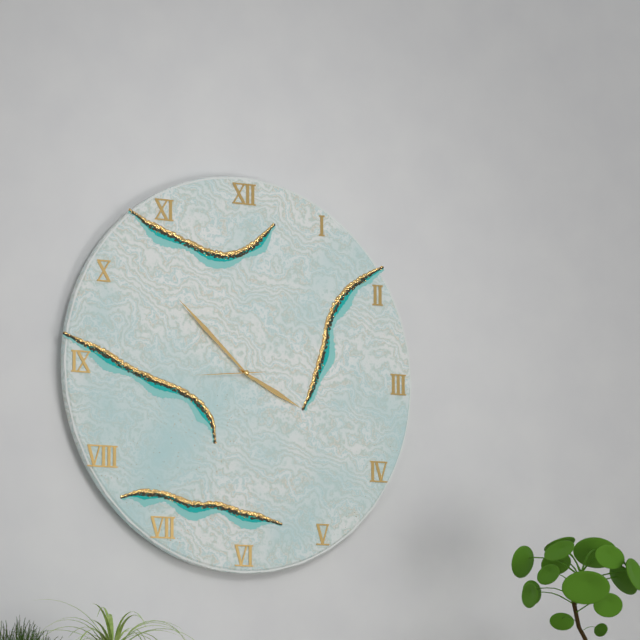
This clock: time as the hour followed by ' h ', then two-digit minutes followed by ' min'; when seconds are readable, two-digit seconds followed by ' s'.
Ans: 3 h 52 min 44 s
